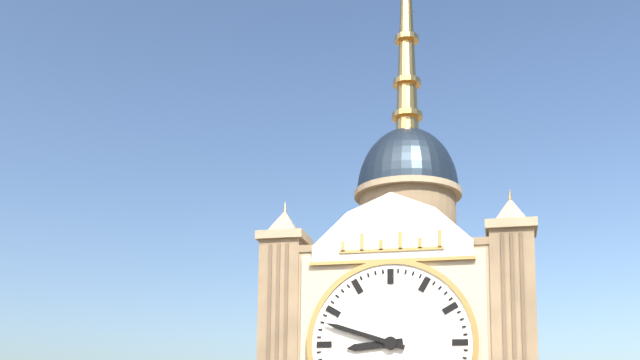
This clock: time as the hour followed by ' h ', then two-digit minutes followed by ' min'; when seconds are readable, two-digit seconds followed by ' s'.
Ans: 8 h 48 min
